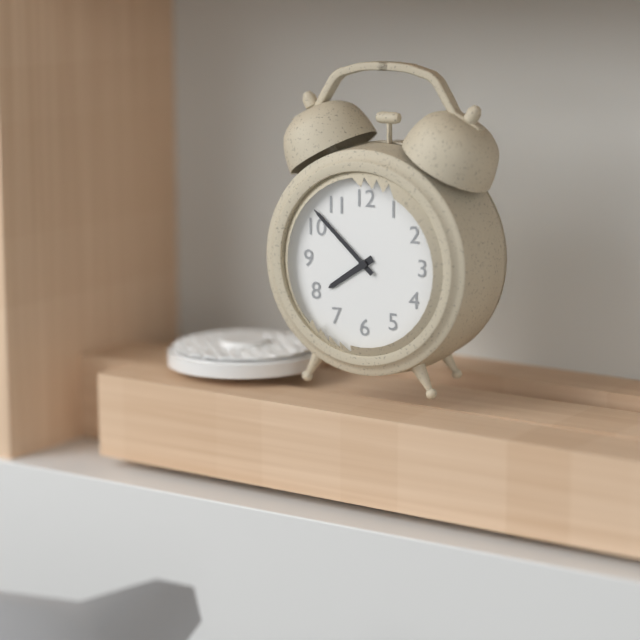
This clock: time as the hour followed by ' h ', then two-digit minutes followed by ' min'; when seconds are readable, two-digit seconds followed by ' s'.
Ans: 7 h 52 min
